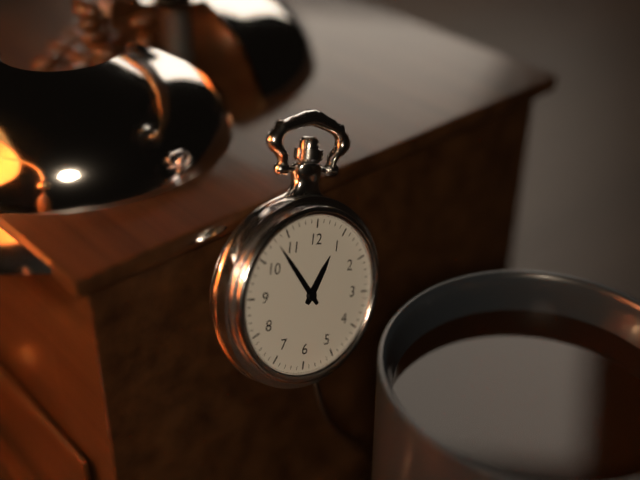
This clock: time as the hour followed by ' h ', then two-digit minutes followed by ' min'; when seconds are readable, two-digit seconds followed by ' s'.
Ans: 12 h 53 min
